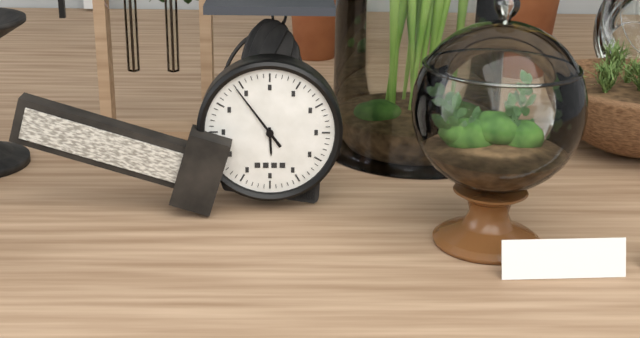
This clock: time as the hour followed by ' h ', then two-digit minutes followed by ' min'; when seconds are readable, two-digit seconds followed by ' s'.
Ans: 5 h 54 min
